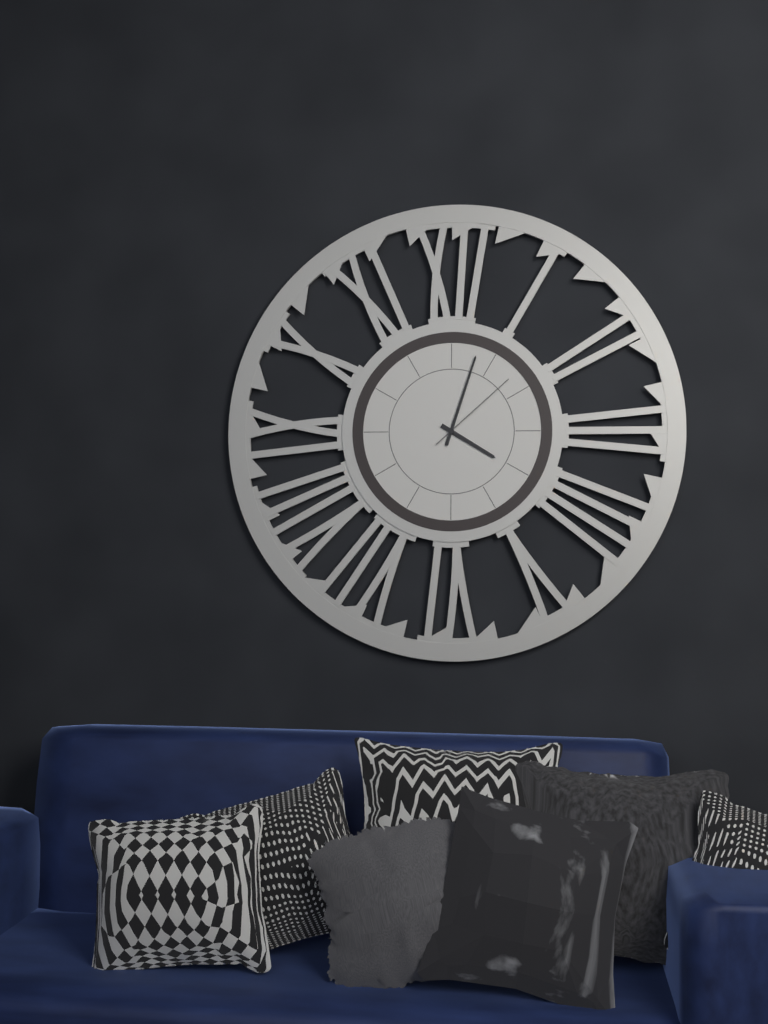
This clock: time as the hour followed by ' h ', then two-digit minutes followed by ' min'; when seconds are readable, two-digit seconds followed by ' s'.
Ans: 4 h 03 min 08 s
